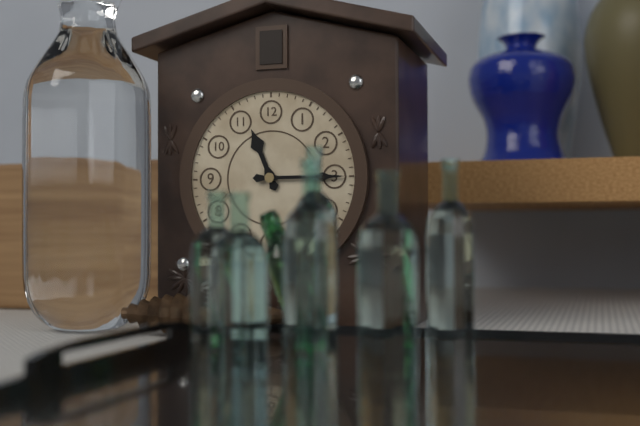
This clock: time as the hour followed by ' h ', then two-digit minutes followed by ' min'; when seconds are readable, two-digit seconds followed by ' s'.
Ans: 11 h 15 min
